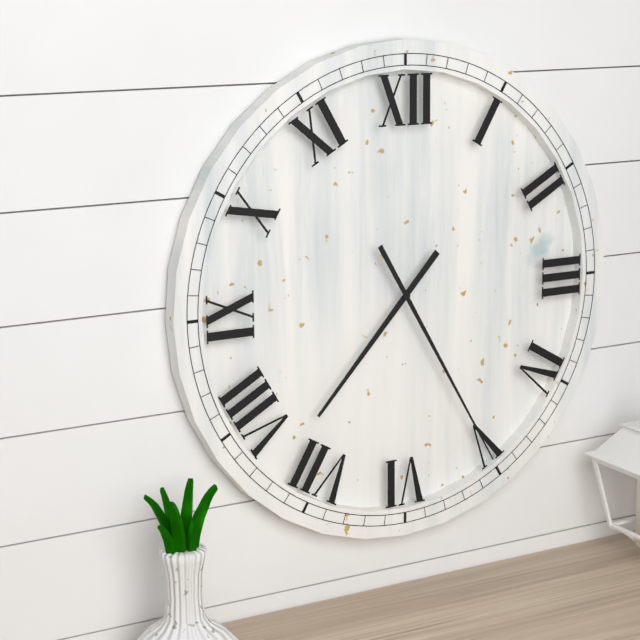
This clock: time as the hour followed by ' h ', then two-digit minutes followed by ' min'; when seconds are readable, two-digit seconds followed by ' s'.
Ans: 7 h 25 min
